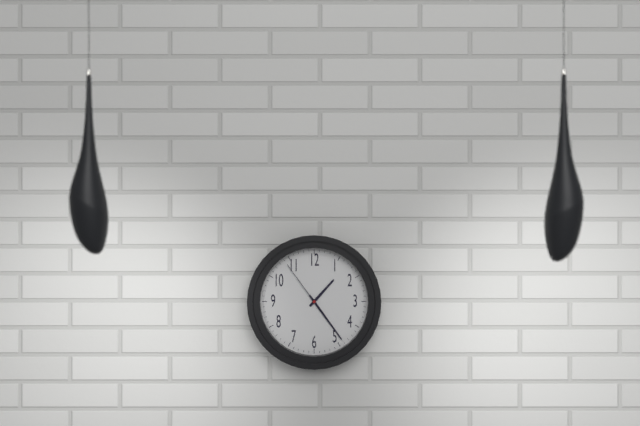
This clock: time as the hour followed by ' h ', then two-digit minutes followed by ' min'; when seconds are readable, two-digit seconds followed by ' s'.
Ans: 1 h 24 min 54 s
